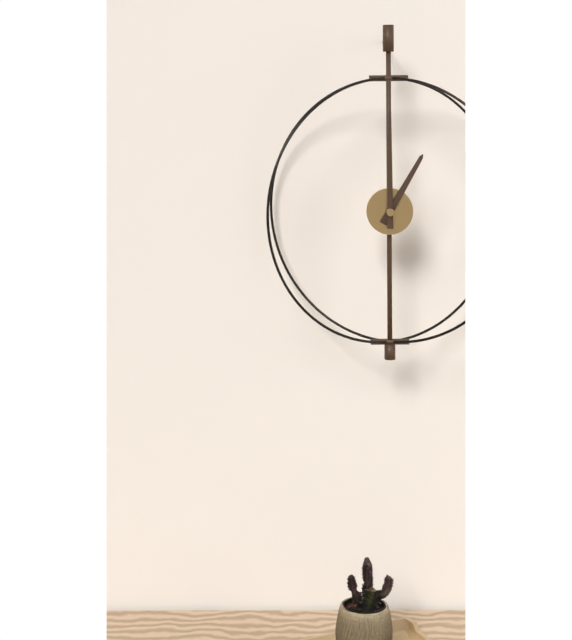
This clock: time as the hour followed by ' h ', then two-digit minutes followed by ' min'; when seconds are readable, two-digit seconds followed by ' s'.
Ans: 1 h 00 min
